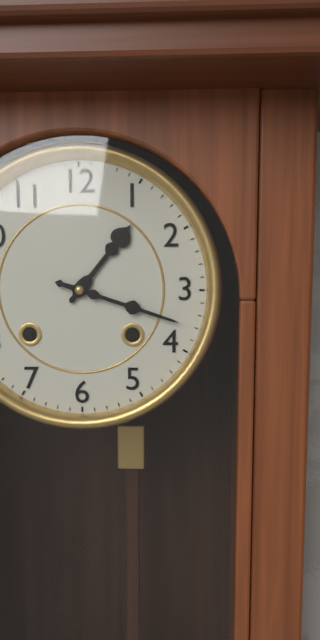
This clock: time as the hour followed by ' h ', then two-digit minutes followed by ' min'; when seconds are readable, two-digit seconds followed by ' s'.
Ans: 1 h 18 min
